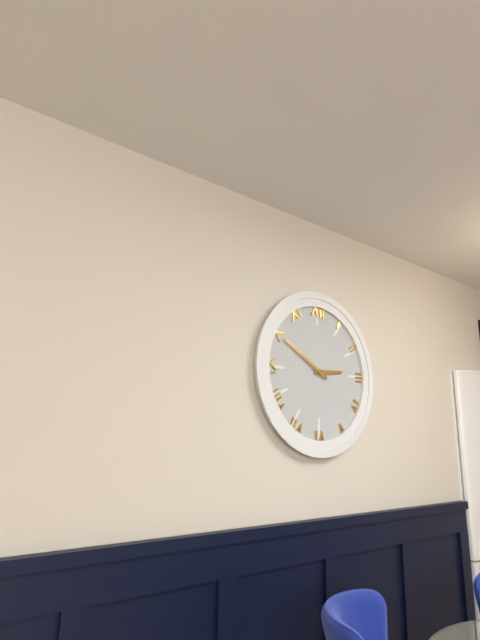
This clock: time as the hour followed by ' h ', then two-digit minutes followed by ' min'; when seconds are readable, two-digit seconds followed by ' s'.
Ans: 2 h 50 min
